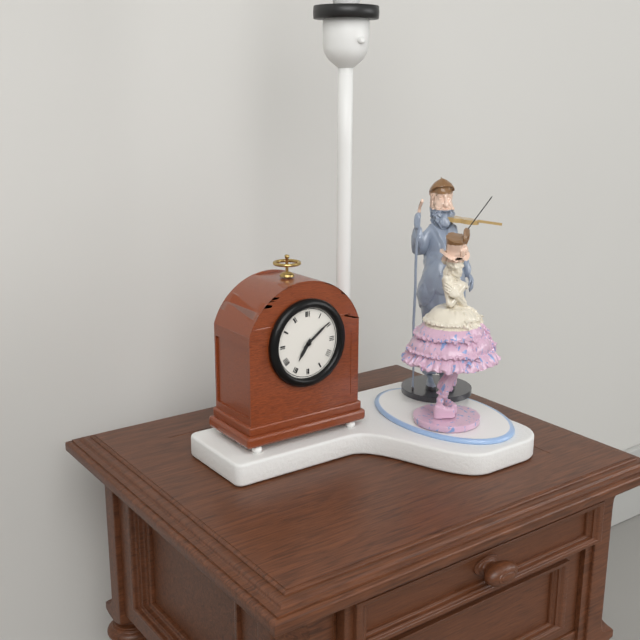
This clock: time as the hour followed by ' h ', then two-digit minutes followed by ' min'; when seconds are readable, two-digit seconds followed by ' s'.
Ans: 7 h 09 min
